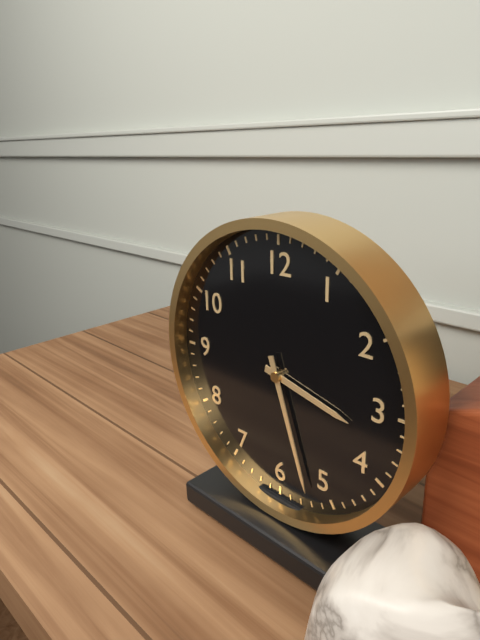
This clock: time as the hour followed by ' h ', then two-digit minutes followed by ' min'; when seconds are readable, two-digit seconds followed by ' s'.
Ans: 3 h 27 min
